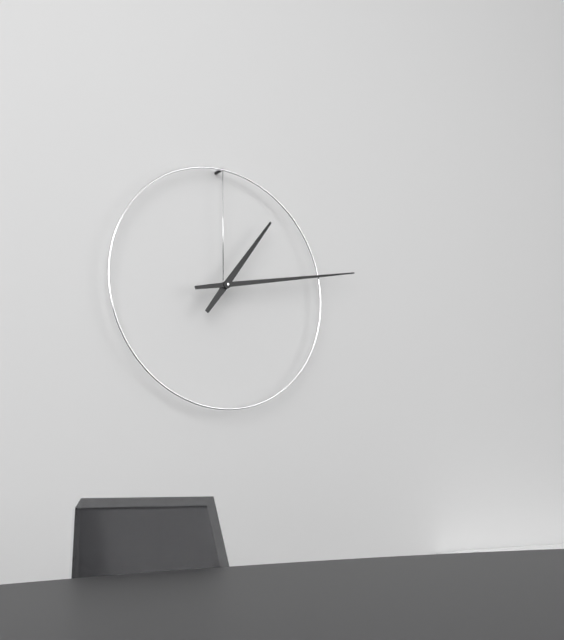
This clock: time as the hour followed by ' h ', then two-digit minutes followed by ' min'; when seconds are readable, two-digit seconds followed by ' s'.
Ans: 1 h 13 min
